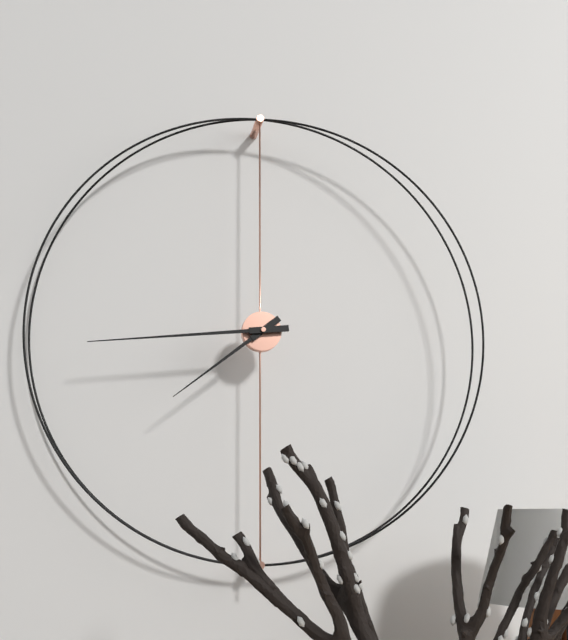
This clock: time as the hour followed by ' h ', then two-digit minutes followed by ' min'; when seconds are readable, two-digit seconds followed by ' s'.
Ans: 7 h 44 min
